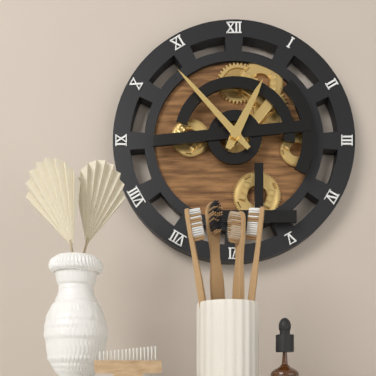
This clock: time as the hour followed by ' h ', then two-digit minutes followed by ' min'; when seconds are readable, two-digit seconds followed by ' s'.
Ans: 12 h 53 min
